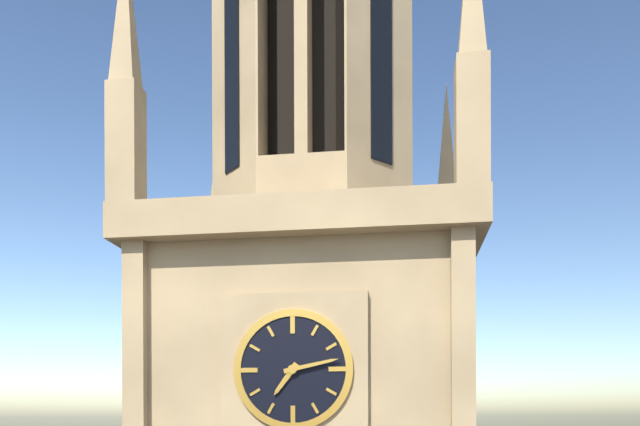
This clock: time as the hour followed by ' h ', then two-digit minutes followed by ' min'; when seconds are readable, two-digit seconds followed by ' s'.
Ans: 7 h 13 min
